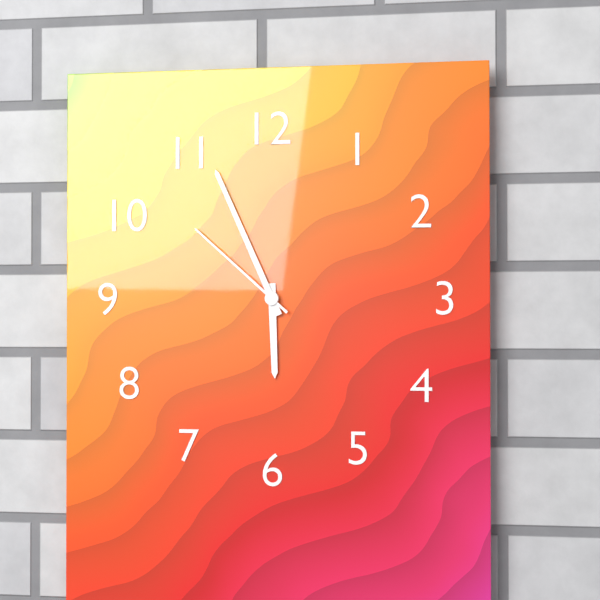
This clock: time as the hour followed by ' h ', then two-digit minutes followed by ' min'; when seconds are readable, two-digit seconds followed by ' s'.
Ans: 5 h 56 min 52 s
